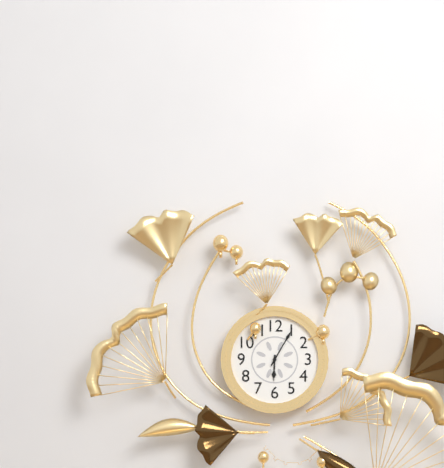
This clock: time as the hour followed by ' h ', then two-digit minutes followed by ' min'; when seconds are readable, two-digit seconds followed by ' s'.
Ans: 6 h 05 min
